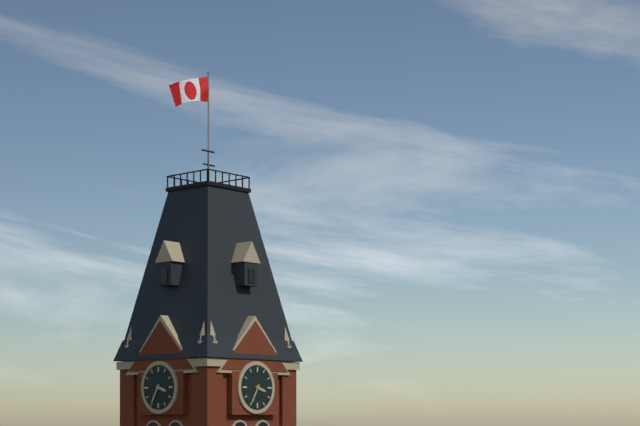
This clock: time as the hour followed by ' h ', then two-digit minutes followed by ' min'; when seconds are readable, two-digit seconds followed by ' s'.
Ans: 3 h 35 min
